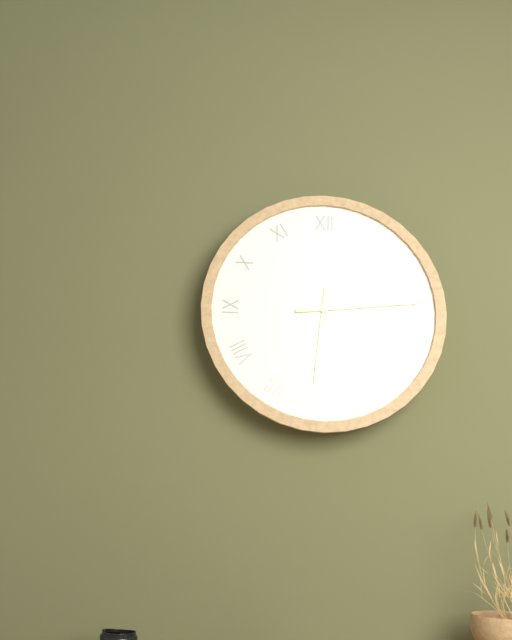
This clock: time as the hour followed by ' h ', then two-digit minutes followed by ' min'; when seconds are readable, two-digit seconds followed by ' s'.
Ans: 6 h 14 min
